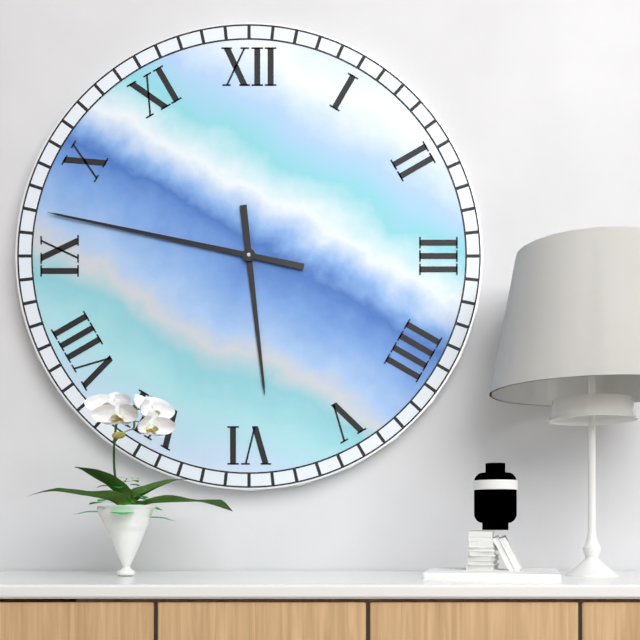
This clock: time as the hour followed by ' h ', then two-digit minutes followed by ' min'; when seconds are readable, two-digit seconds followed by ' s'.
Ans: 5 h 47 min
